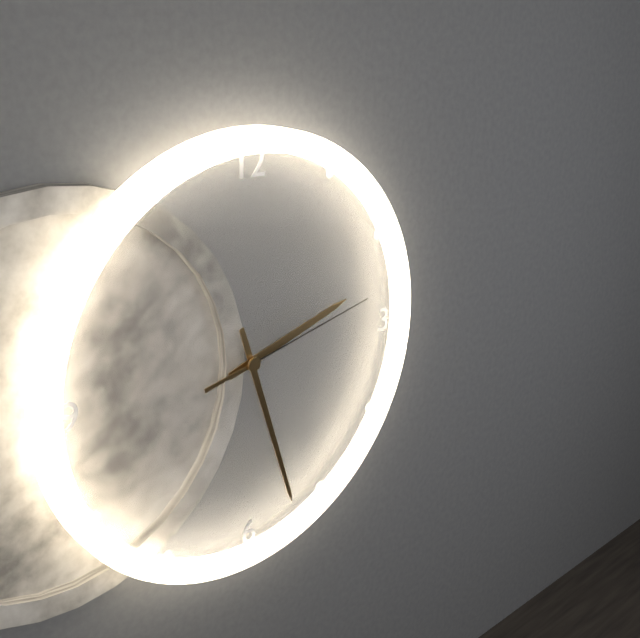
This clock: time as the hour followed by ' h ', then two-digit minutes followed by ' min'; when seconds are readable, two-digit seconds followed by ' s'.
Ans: 2 h 27 min 13 s
